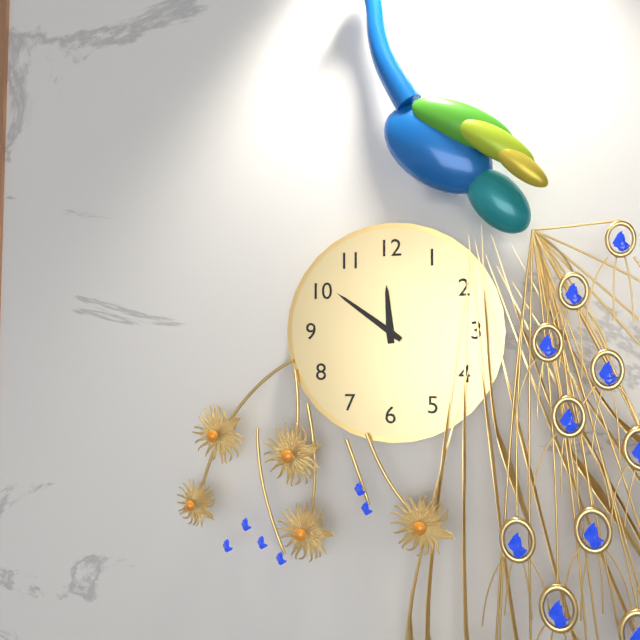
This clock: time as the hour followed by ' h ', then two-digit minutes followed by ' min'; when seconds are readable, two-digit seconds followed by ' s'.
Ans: 11 h 51 min
